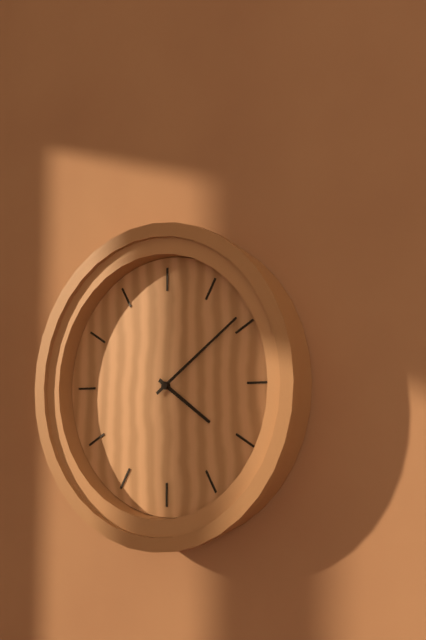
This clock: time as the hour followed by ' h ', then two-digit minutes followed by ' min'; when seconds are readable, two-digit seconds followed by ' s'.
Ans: 4 h 09 min
